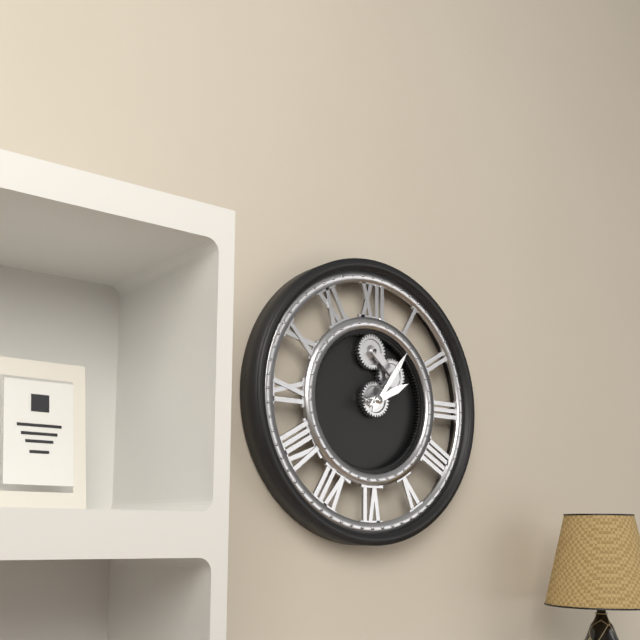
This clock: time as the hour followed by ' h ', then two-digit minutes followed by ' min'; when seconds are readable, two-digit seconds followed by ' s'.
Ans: 2 h 06 min
